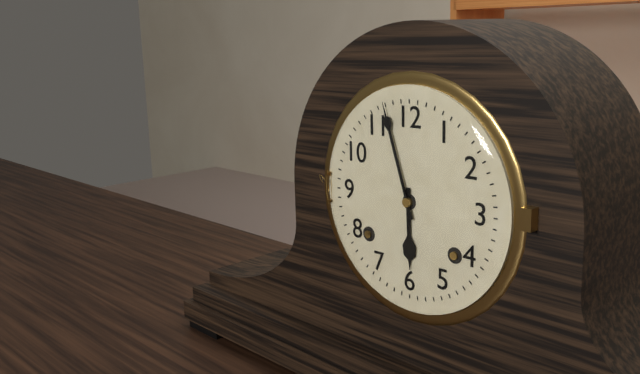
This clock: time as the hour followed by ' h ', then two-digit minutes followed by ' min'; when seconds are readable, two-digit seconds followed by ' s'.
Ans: 5 h 57 min
